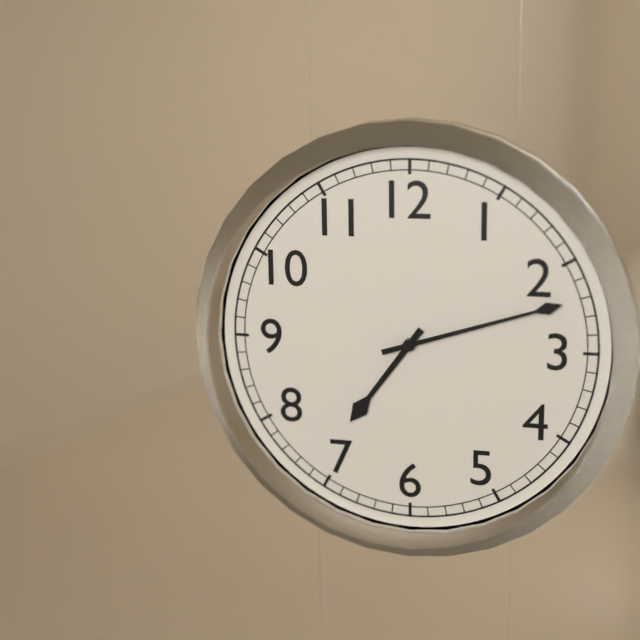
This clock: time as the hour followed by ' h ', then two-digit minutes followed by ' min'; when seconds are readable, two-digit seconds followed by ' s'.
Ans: 7 h 12 min
